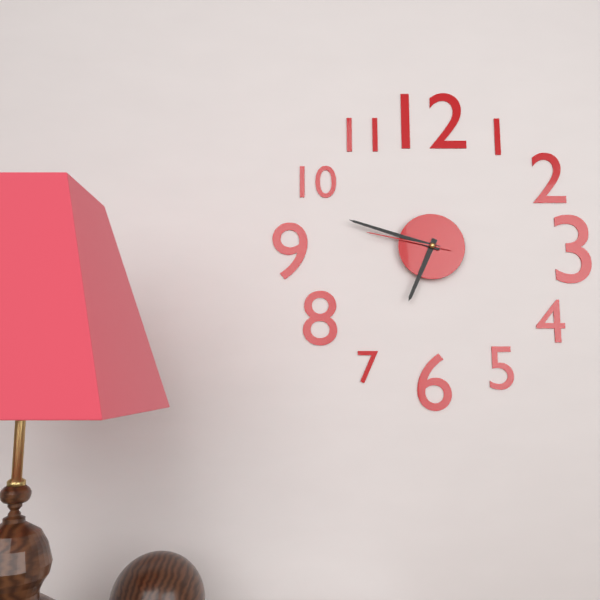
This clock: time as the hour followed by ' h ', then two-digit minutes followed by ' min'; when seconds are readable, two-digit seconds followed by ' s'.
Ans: 6 h 48 min 47 s
